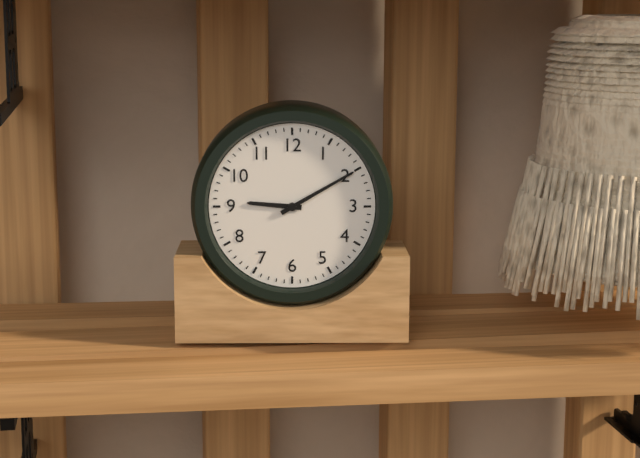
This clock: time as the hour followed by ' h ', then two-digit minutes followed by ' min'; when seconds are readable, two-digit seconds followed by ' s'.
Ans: 9 h 10 min
